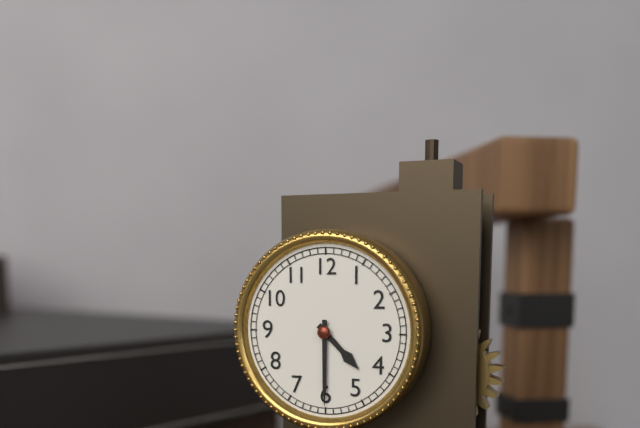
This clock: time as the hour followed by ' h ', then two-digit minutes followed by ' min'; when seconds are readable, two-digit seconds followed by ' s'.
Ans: 4 h 30 min
